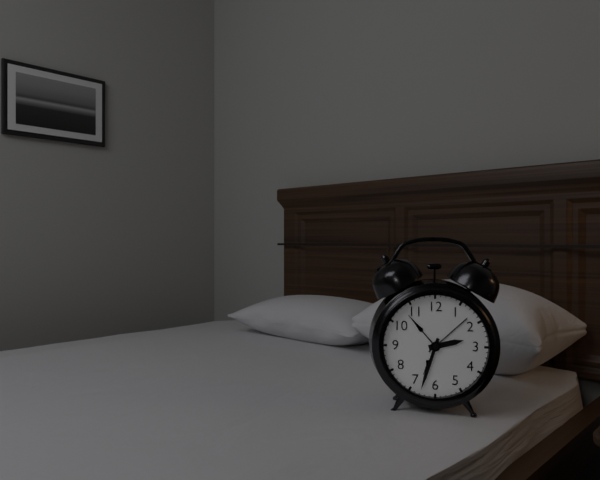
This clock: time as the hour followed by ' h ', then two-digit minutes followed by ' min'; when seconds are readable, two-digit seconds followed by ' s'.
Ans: 2 h 33 min
